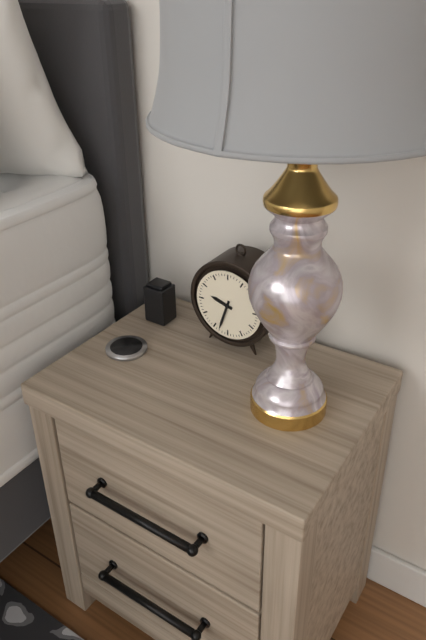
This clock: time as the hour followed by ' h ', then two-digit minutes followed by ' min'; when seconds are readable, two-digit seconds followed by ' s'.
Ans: 9 h 33 min
